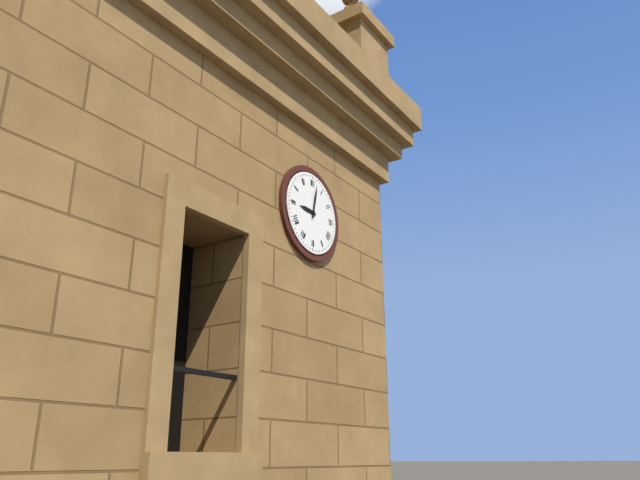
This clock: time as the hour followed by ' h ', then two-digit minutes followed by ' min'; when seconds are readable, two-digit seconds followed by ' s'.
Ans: 9 h 02 min
